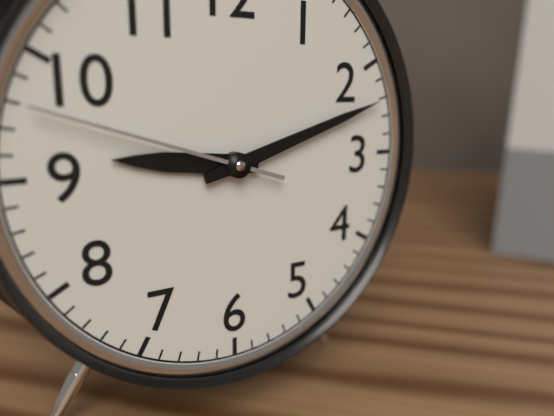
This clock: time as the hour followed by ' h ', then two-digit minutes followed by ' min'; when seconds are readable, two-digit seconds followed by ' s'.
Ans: 9 h 12 min 48 s
